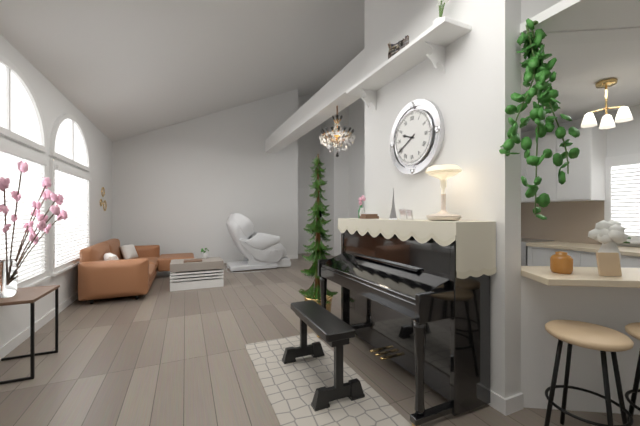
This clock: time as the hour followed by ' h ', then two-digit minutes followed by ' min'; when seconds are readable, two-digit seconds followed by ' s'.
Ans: 9 h 40 min
